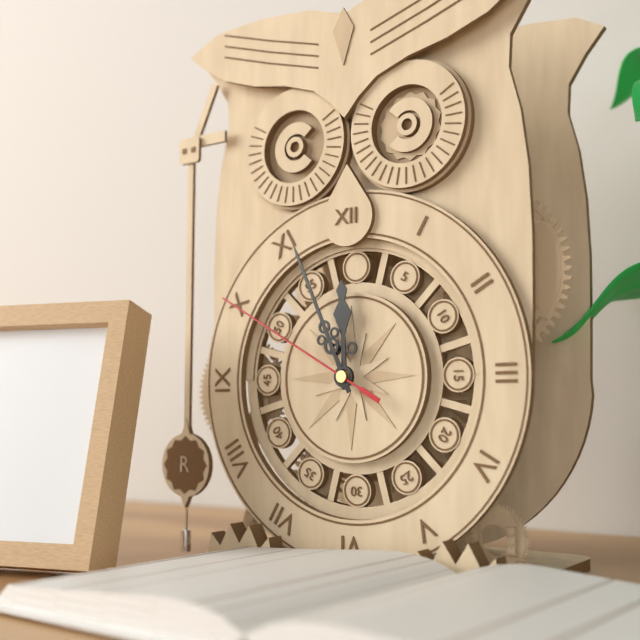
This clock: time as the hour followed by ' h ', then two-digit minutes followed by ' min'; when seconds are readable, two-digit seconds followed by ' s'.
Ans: 11 h 56 min 50 s
